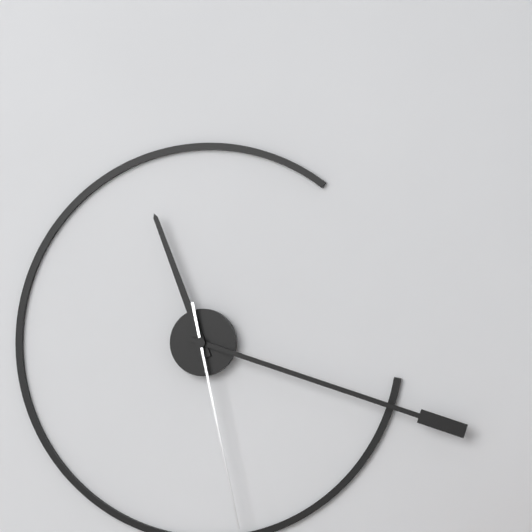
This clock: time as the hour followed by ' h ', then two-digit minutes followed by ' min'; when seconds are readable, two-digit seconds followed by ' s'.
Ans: 11 h 18 min 28 s
